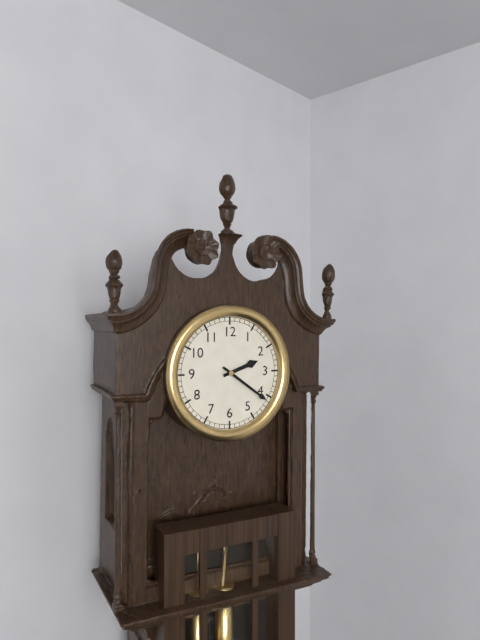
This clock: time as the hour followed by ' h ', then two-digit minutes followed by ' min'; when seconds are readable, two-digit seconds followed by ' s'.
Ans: 2 h 21 min
